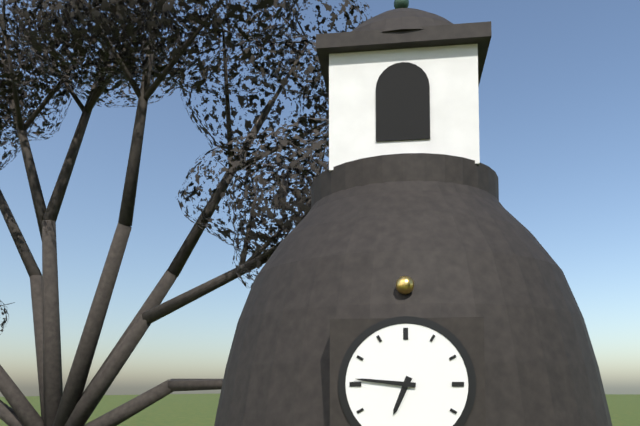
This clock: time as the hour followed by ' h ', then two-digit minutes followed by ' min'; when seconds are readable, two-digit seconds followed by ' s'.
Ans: 6 h 46 min
